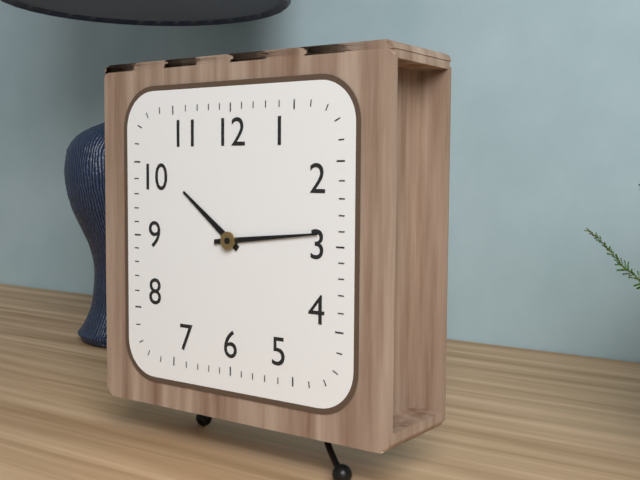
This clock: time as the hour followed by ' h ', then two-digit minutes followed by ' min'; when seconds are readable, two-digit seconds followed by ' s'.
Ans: 10 h 14 min
